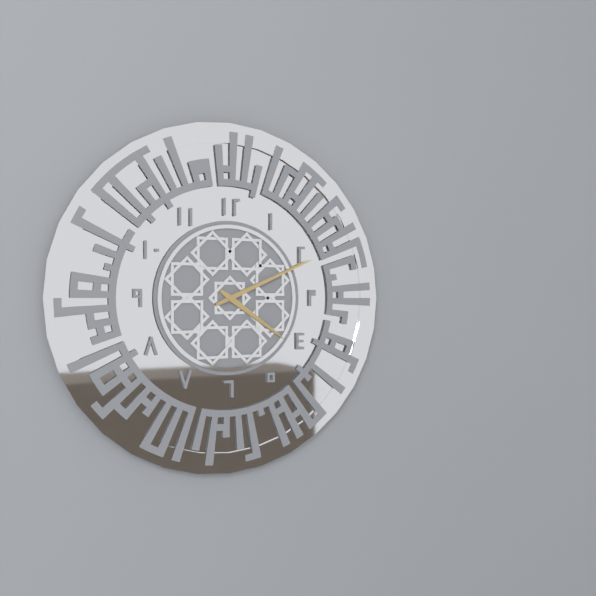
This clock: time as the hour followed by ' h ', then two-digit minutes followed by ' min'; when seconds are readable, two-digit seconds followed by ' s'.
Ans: 4 h 11 min
